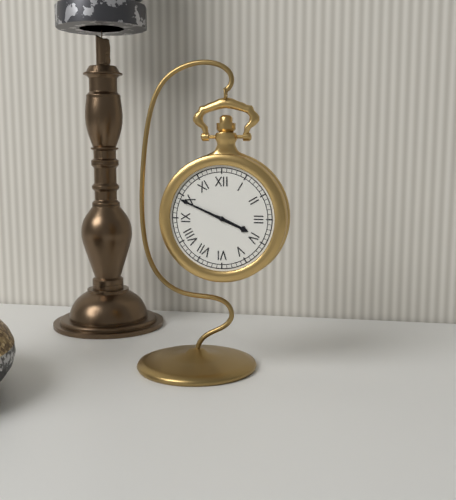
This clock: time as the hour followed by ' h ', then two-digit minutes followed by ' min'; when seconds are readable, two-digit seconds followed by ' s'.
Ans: 3 h 49 min
